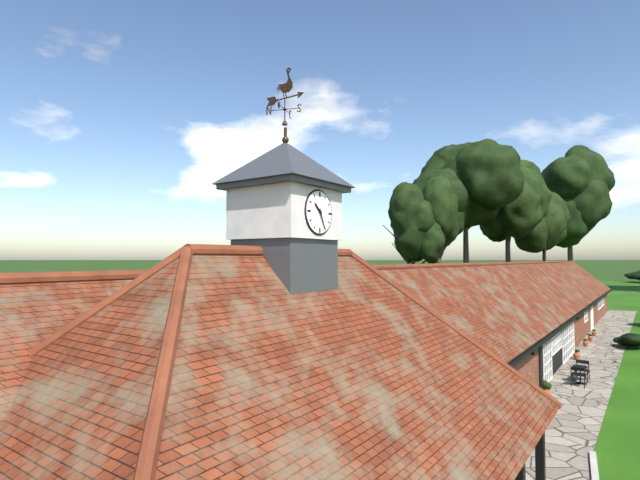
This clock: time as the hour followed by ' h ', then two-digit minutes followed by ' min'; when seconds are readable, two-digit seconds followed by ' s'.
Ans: 10 h 26 min
